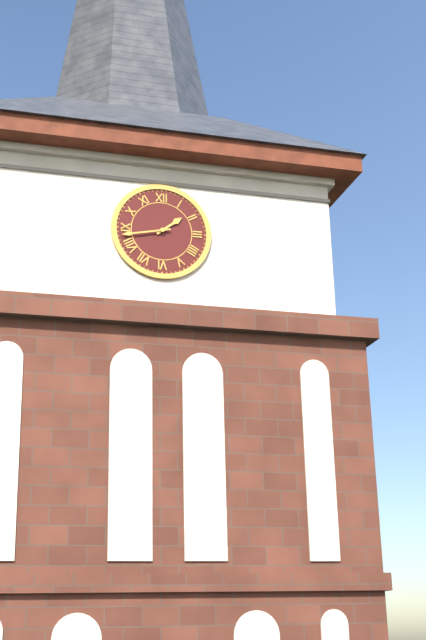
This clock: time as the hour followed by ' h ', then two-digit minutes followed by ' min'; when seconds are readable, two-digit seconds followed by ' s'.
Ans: 1 h 43 min
